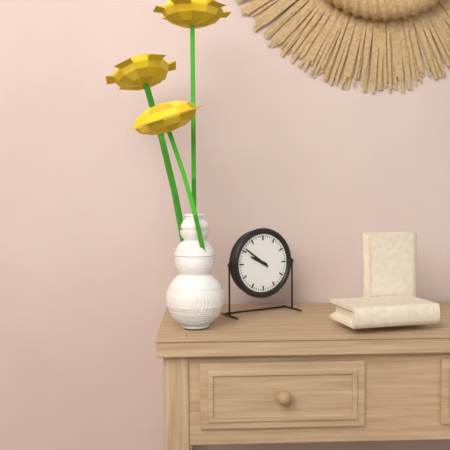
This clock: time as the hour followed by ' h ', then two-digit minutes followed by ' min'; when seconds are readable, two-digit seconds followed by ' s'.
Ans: 9 h 51 min
